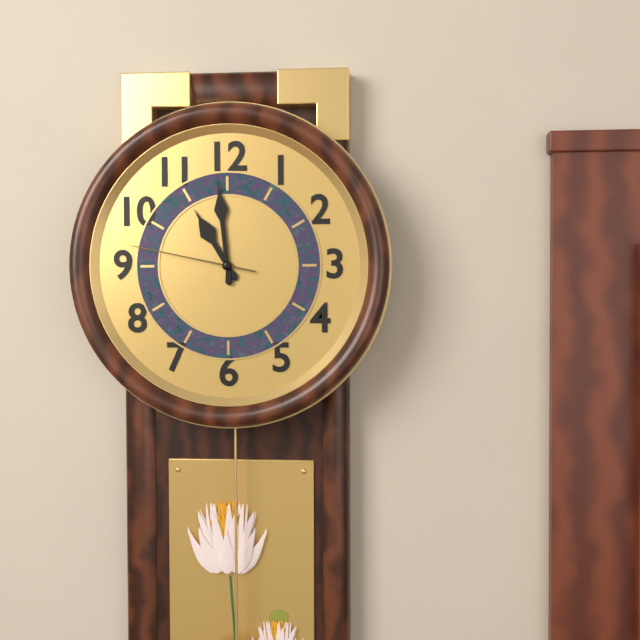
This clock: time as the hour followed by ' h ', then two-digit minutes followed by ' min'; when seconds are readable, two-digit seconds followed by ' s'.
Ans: 10 h 59 min 47 s
